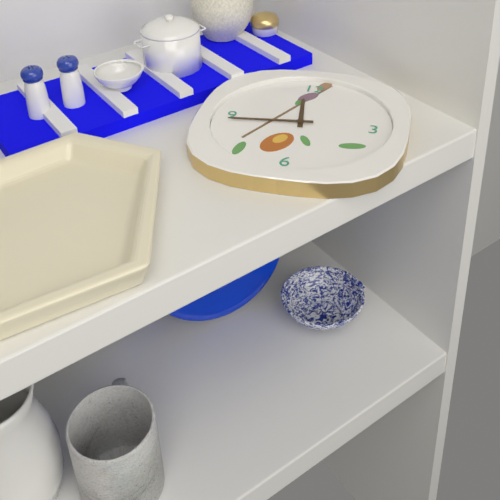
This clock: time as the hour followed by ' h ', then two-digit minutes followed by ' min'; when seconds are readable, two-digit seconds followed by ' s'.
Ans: 11 h 44 min
